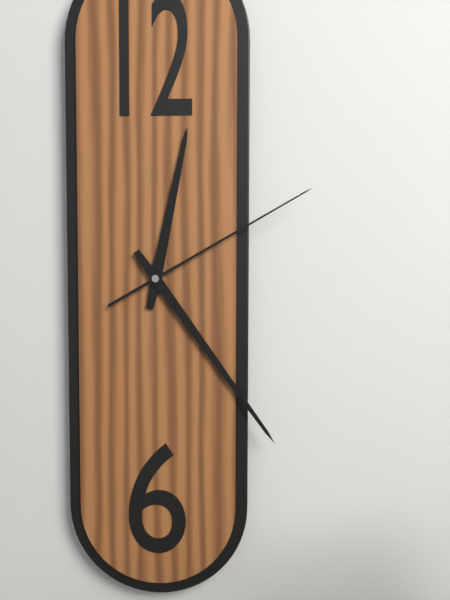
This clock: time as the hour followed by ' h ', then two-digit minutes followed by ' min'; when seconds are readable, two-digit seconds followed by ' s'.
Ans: 12 h 24 min 10 s
